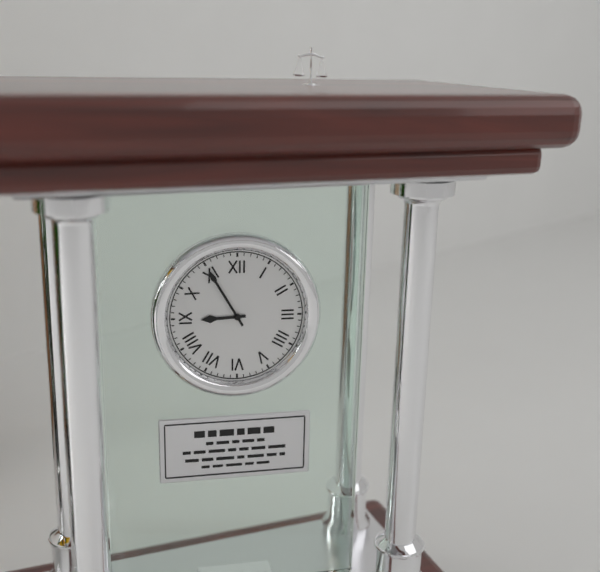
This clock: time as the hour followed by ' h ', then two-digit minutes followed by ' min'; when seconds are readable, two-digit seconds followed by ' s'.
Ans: 8 h 55 min
